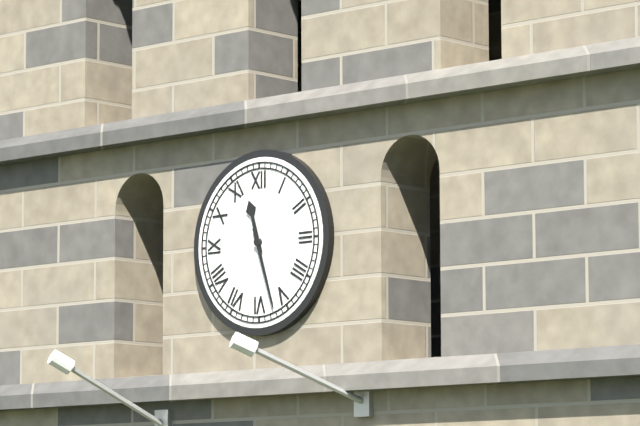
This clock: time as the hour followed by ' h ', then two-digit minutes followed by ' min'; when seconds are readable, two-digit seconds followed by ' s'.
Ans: 11 h 27 min
